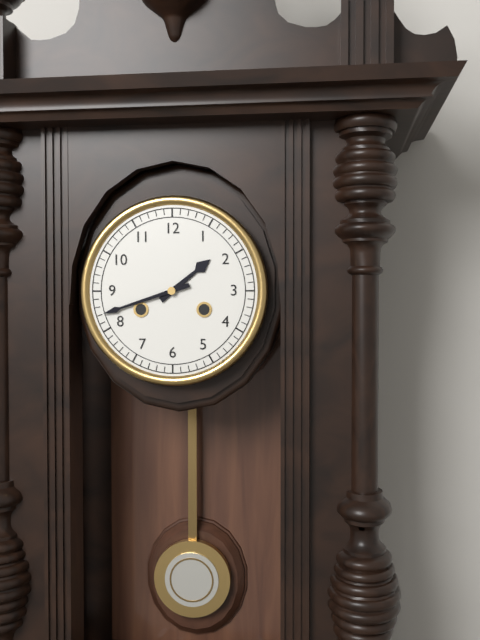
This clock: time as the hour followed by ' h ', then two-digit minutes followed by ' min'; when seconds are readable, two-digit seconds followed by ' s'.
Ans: 1 h 42 min
